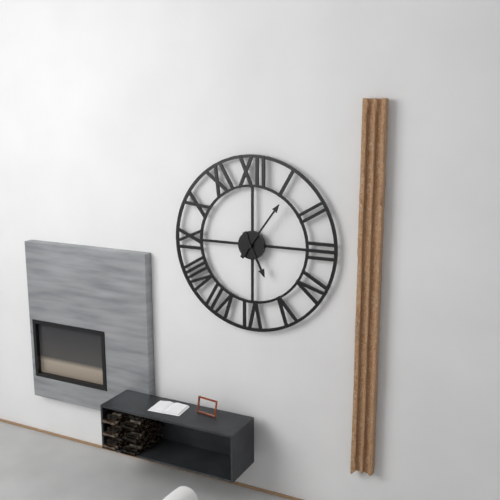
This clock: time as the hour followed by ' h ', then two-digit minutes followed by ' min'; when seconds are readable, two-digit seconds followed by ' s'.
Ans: 5 h 06 min
